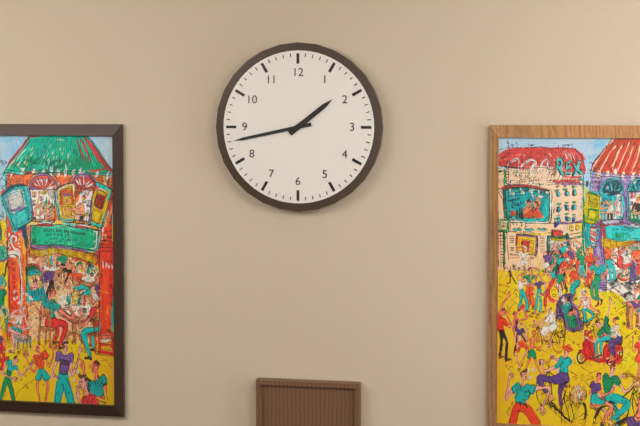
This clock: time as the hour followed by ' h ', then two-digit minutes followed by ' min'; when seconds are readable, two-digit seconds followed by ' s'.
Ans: 1 h 43 min
